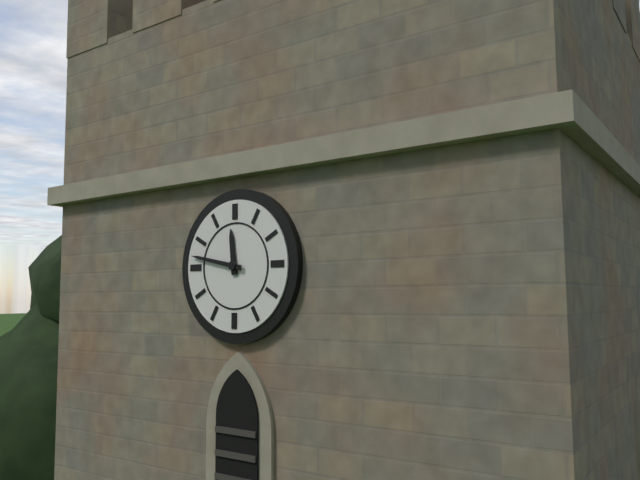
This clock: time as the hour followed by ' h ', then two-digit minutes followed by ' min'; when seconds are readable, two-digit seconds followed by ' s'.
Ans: 11 h 47 min
